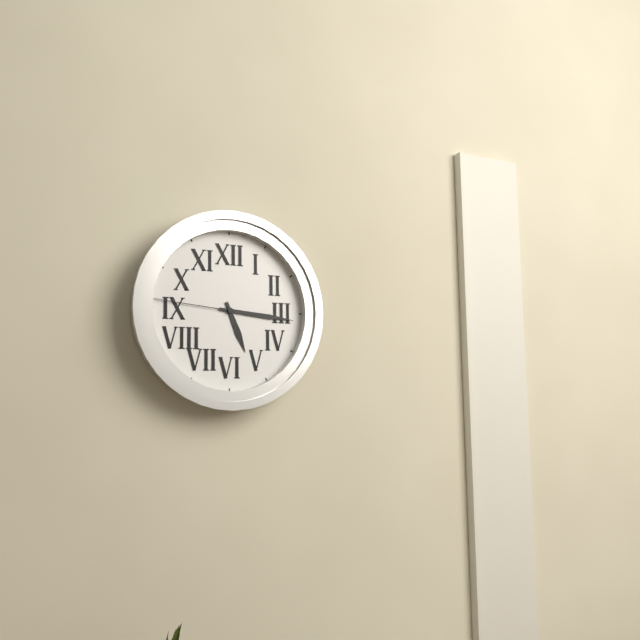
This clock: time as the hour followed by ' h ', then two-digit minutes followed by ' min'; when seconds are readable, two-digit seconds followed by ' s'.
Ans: 5 h 16 min 46 s
